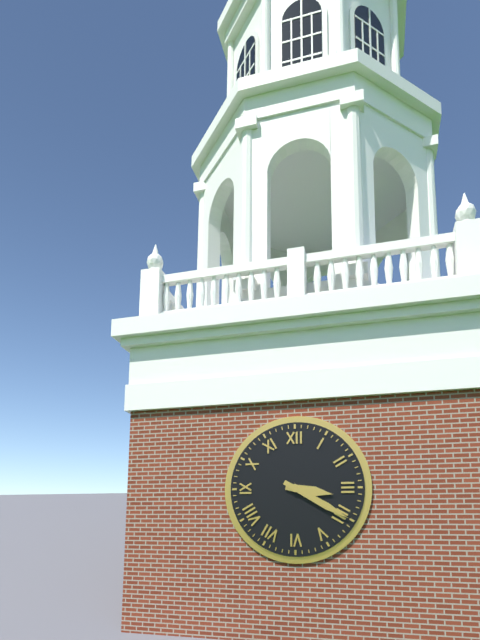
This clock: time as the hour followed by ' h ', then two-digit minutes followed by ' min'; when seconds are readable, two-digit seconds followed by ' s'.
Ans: 3 h 20 min
